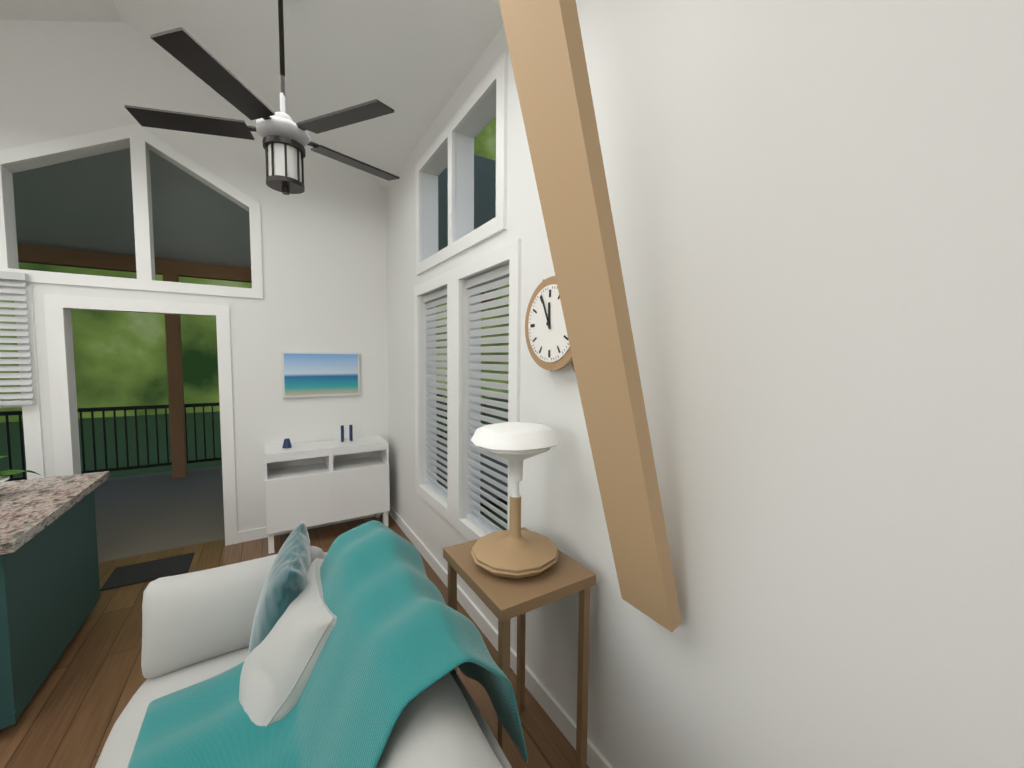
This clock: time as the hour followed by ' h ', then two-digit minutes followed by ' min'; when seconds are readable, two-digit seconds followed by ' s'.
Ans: 11 h 56 min
